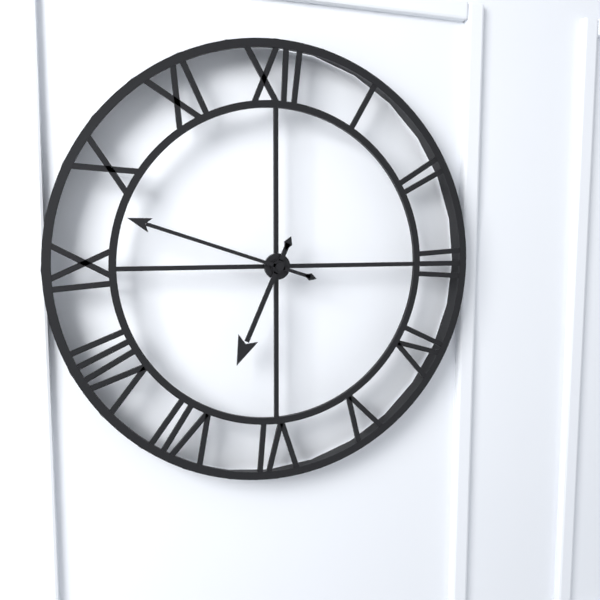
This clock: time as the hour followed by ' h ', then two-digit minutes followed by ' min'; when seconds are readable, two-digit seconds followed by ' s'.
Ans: 6 h 48 min
